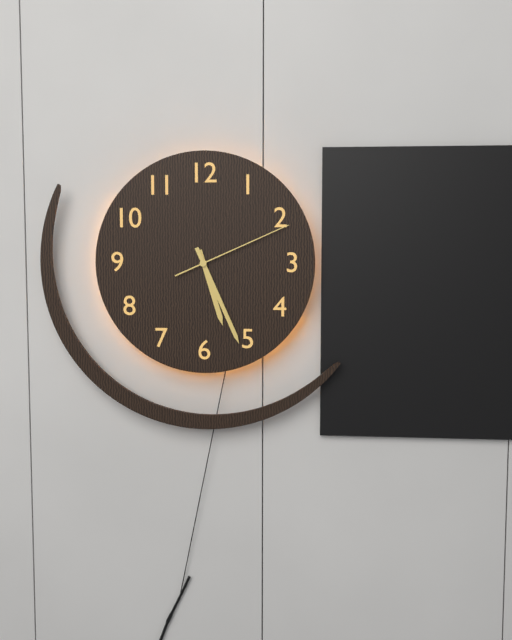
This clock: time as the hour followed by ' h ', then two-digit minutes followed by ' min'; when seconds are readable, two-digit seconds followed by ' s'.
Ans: 5 h 26 min 11 s
